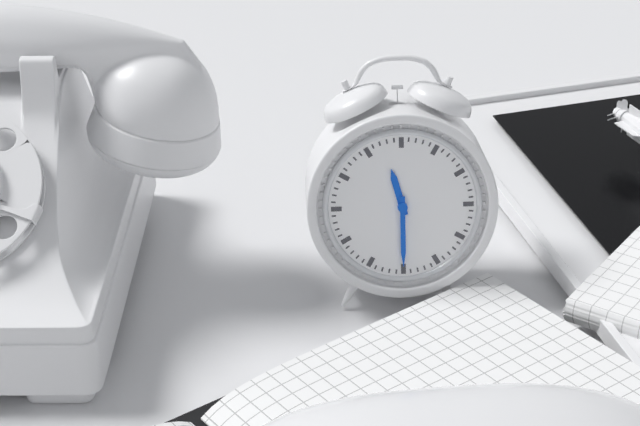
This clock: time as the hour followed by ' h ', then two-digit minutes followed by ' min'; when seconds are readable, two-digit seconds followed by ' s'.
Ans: 11 h 30 min
